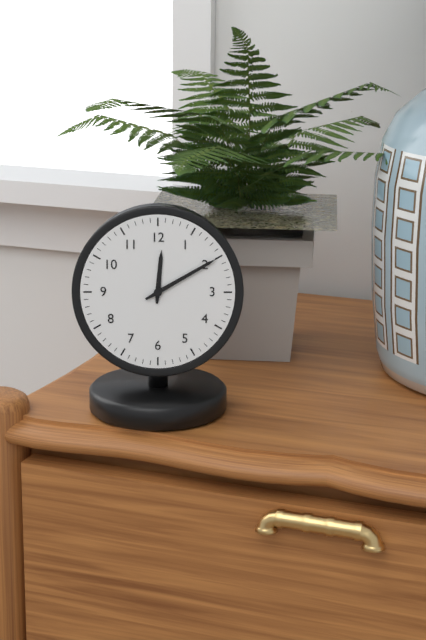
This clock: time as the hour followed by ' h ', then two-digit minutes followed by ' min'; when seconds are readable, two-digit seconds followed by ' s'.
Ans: 12 h 10 min
